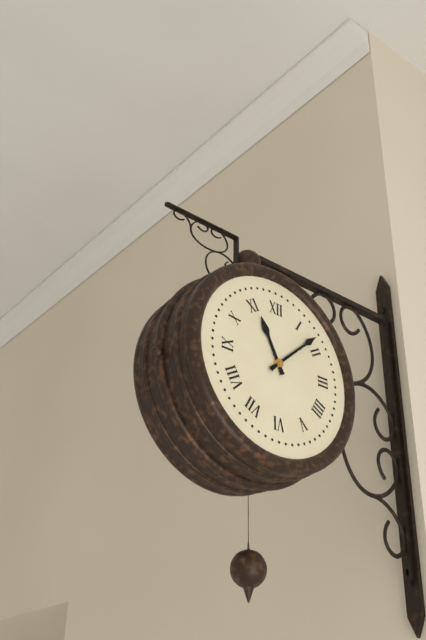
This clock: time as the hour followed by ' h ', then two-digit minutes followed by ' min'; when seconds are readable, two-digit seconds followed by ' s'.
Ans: 11 h 08 min
